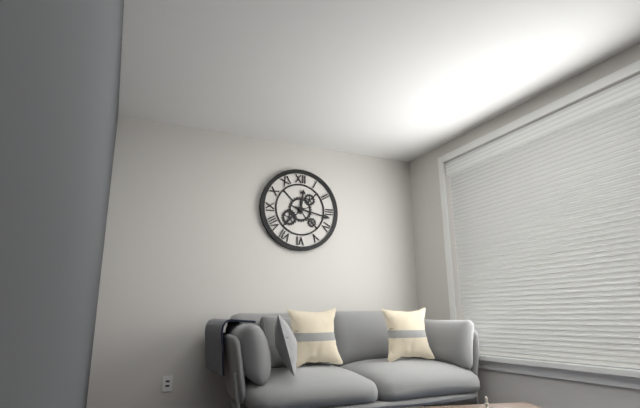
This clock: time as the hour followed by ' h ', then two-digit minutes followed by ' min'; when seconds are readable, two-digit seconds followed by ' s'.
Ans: 12 h 17 min
